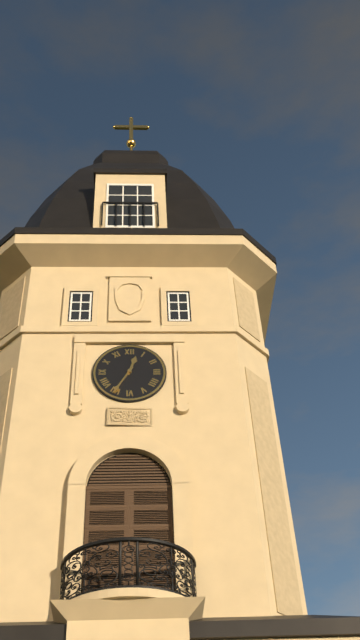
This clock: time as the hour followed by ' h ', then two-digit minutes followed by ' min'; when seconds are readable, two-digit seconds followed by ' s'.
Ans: 12 h 35 min
